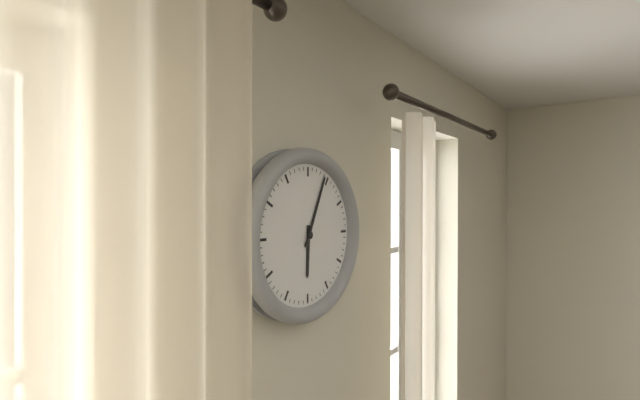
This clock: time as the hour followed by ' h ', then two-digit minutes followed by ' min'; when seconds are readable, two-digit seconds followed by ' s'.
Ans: 6 h 04 min
